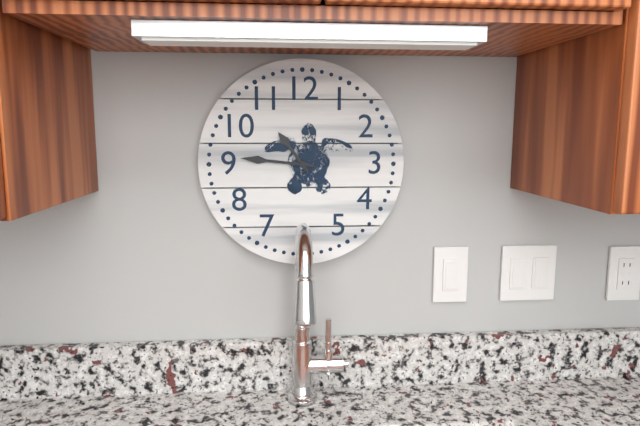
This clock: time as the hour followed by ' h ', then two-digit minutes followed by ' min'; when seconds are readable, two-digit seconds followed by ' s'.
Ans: 10 h 46 min
